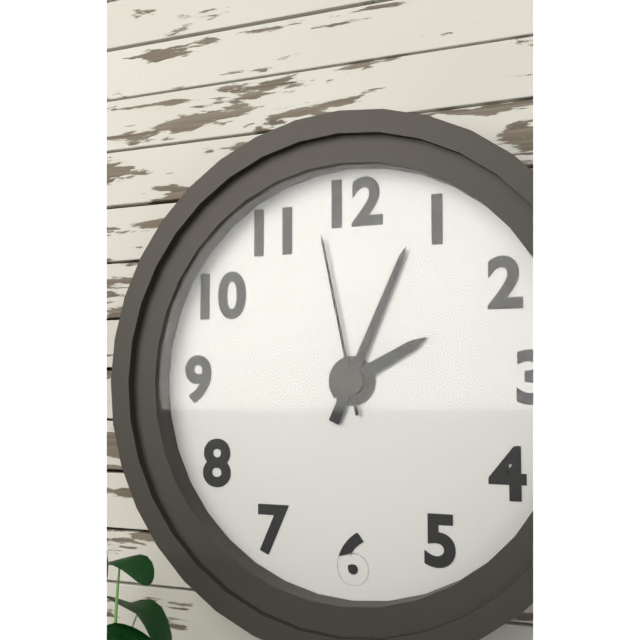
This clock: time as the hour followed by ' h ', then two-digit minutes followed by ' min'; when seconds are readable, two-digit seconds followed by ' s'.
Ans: 2 h 04 min 58 s
